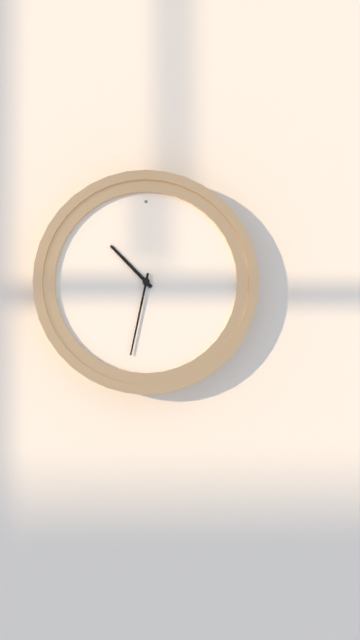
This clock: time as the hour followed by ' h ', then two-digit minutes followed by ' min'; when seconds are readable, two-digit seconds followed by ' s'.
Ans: 10 h 32 min
